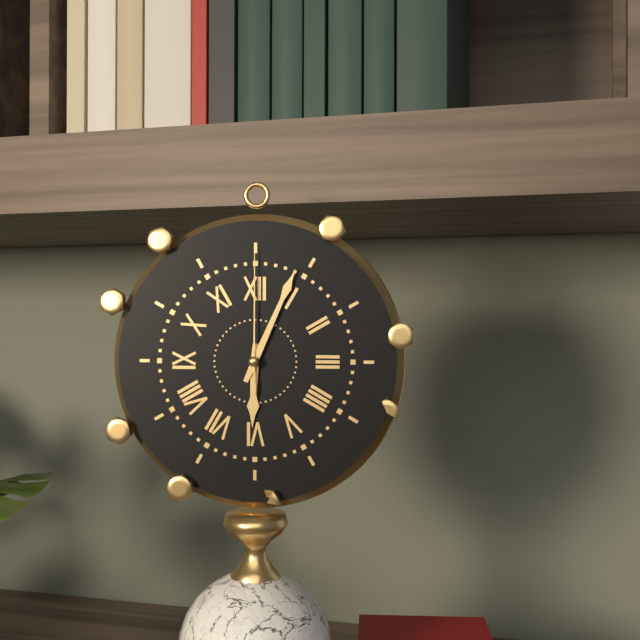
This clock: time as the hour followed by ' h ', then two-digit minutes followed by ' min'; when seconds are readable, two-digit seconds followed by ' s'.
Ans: 6 h 04 min 00 s
